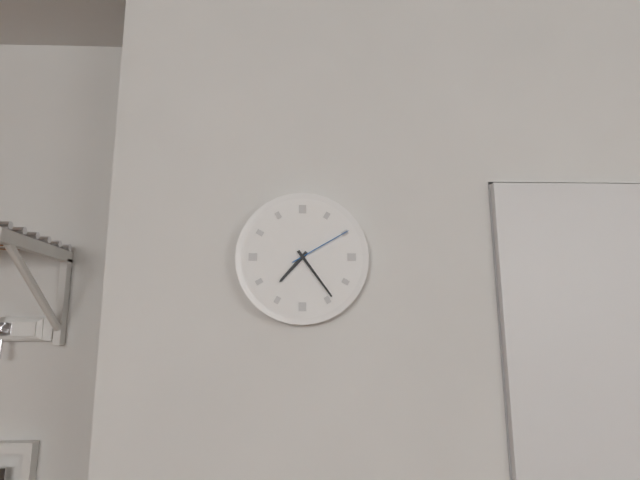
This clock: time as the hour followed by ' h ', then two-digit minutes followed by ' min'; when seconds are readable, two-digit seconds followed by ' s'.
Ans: 7 h 24 min 10 s
